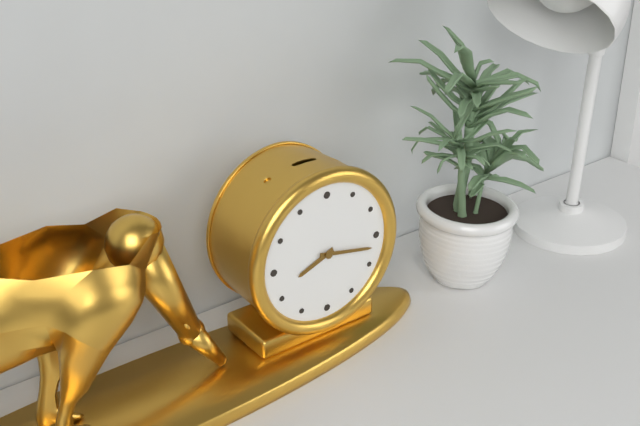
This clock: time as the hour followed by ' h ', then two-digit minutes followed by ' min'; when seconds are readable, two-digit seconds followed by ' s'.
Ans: 8 h 17 min
